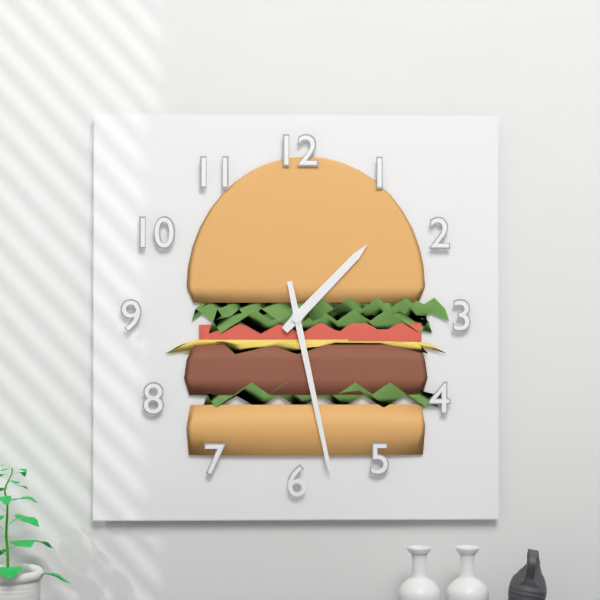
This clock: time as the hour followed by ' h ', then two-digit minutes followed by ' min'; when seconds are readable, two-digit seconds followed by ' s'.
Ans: 1 h 28 min
